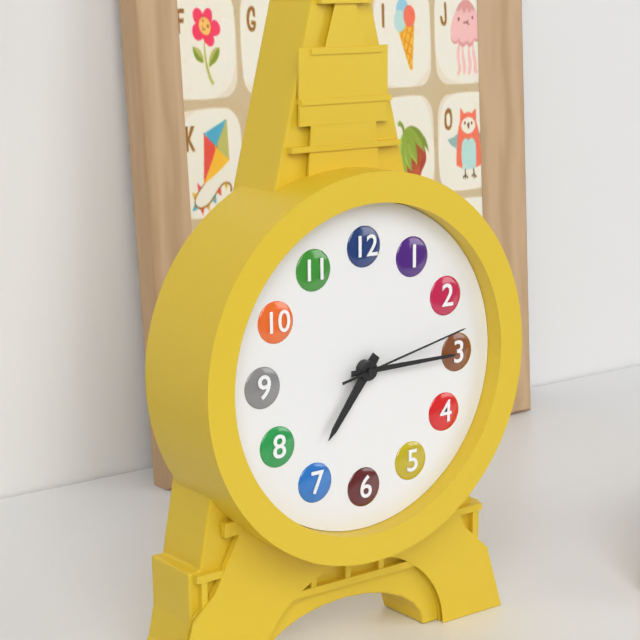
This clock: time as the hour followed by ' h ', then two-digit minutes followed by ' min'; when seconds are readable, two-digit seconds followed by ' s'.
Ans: 7 h 15 min 13 s
